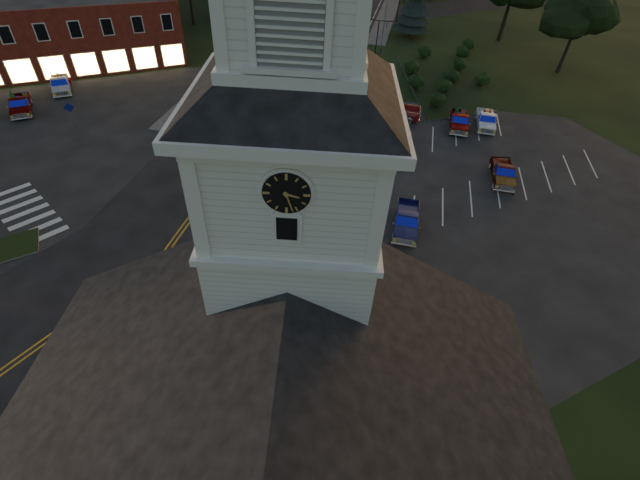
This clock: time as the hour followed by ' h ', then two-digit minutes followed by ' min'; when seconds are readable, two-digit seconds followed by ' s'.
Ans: 3 h 27 min
